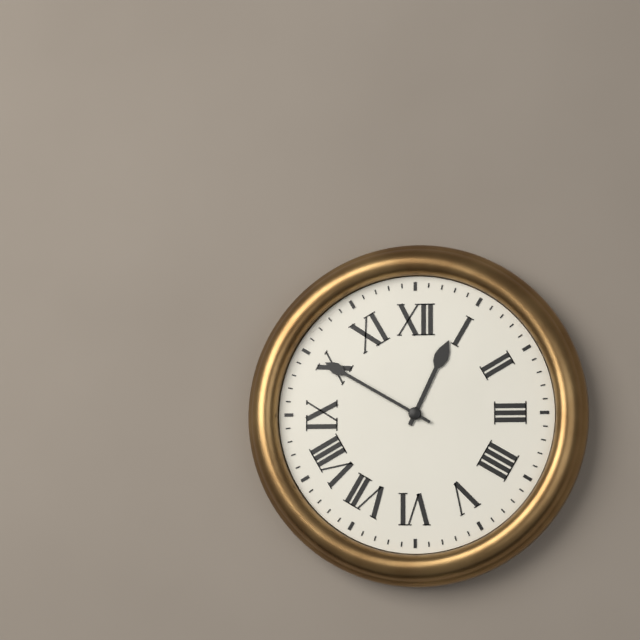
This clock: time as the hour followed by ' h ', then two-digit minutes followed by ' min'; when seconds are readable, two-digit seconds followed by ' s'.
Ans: 12 h 50 min
